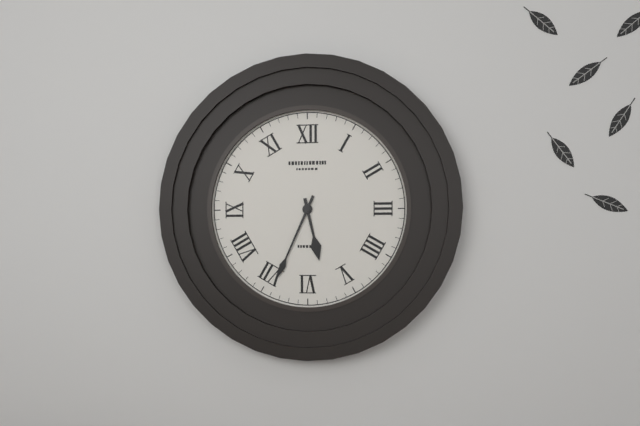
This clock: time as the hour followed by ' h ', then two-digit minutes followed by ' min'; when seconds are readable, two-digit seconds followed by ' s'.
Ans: 5 h 34 min
